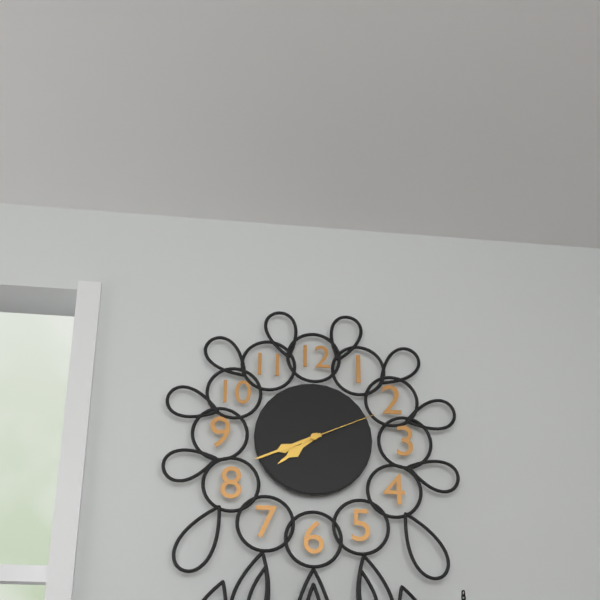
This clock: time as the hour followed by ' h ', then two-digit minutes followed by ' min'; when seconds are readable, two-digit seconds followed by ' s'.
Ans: 7 h 41 min 11 s
